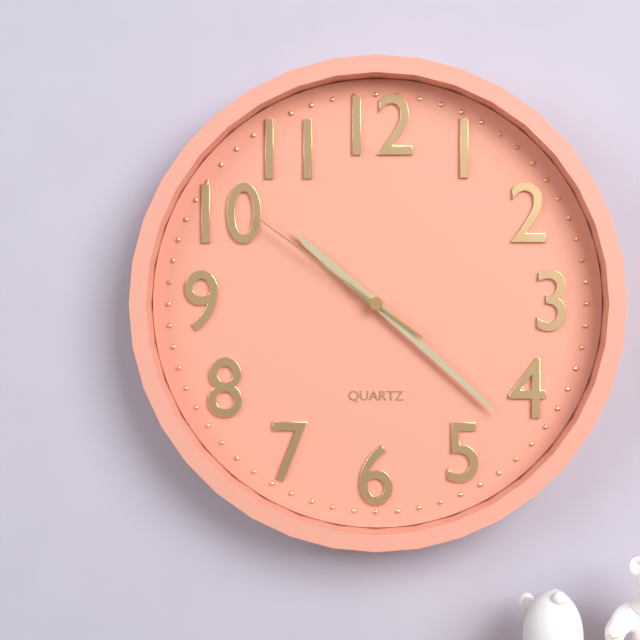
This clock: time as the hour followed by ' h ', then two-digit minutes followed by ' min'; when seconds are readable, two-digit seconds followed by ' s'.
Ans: 10 h 22 min 51 s
